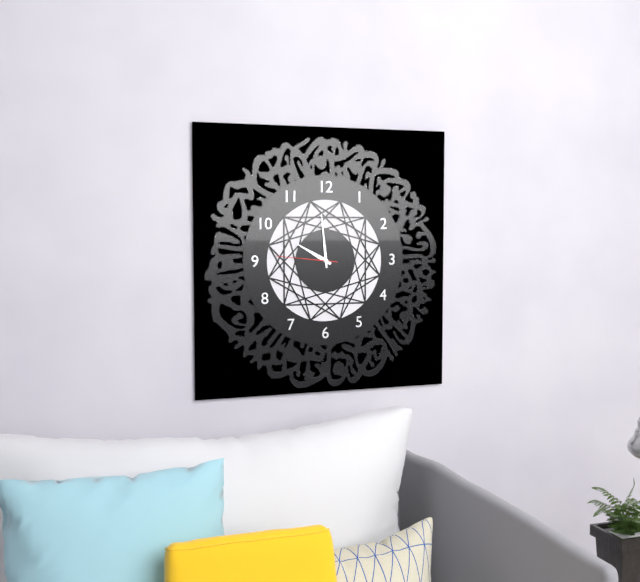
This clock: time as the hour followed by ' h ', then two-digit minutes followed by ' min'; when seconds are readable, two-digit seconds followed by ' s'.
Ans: 9 h 59 min 46 s
